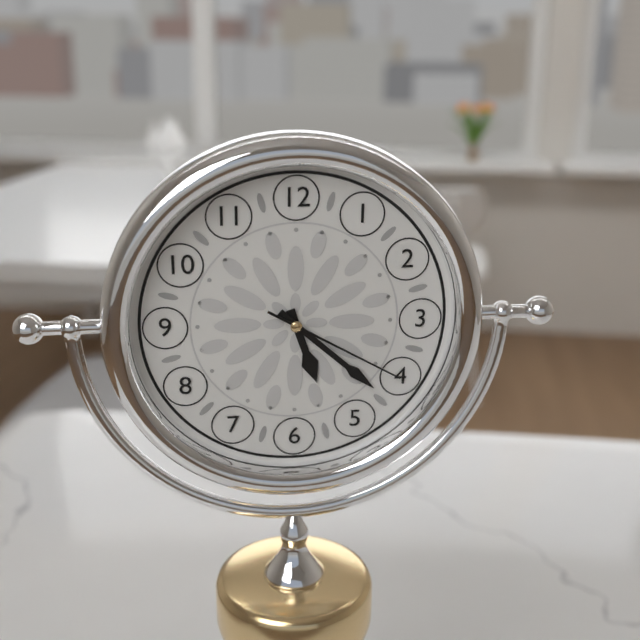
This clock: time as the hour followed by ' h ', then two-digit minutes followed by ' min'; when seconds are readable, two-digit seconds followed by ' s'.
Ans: 5 h 22 min 20 s
